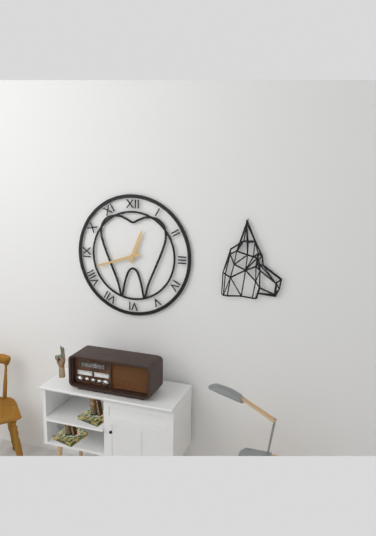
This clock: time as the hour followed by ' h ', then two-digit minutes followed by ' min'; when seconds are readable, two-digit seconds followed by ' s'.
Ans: 12 h 42 min
